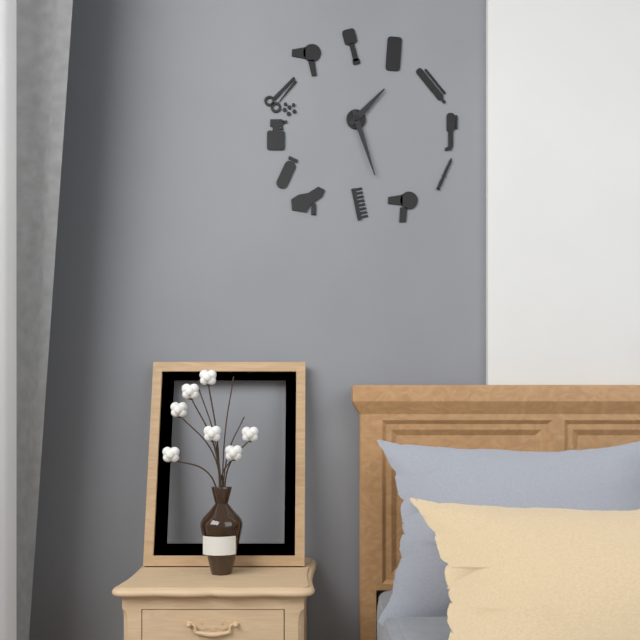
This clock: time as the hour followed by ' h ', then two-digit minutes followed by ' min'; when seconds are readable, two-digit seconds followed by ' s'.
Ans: 1 h 27 min
